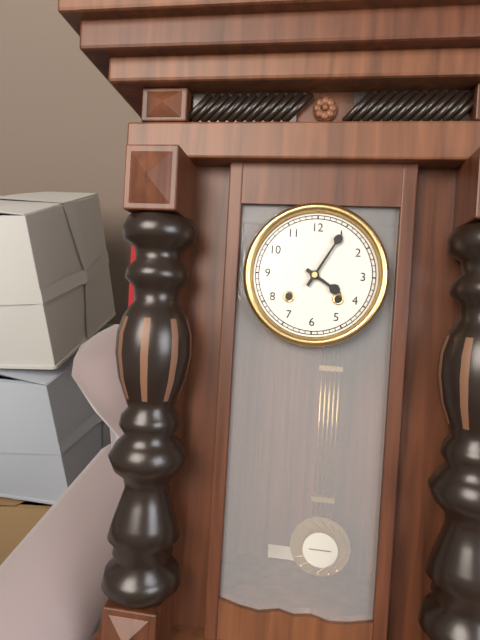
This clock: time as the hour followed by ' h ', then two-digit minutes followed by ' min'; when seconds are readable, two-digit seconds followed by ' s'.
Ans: 4 h 05 min
